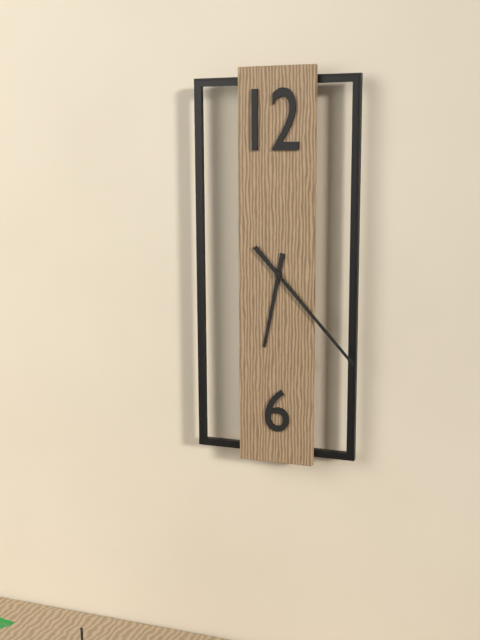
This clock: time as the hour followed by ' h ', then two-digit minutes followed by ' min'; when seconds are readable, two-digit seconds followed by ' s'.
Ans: 6 h 23 min
